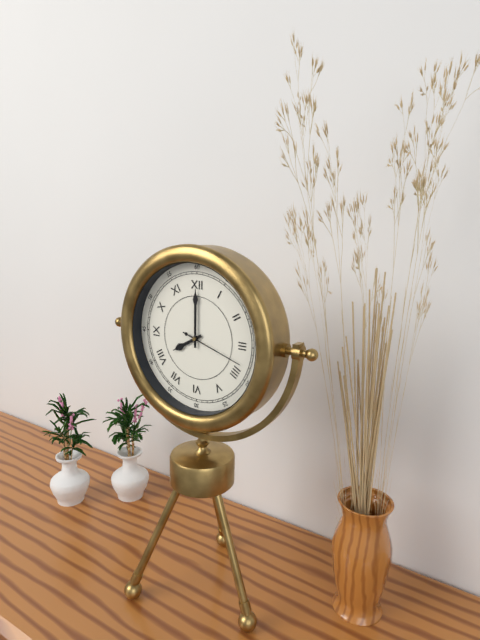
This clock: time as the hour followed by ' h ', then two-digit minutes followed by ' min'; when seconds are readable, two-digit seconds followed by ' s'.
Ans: 8 h 00 min 18 s
